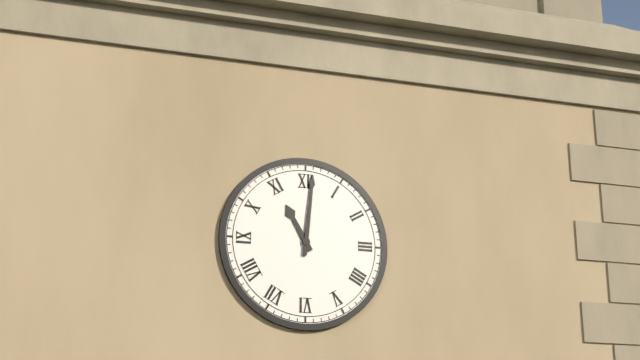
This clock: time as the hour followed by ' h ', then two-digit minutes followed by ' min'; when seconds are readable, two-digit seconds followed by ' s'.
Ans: 11 h 01 min
